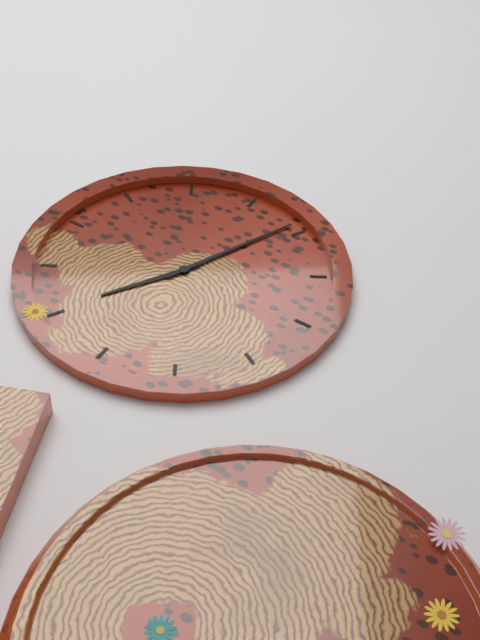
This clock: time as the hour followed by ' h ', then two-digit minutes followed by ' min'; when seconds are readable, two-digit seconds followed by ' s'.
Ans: 7 h 04 min
